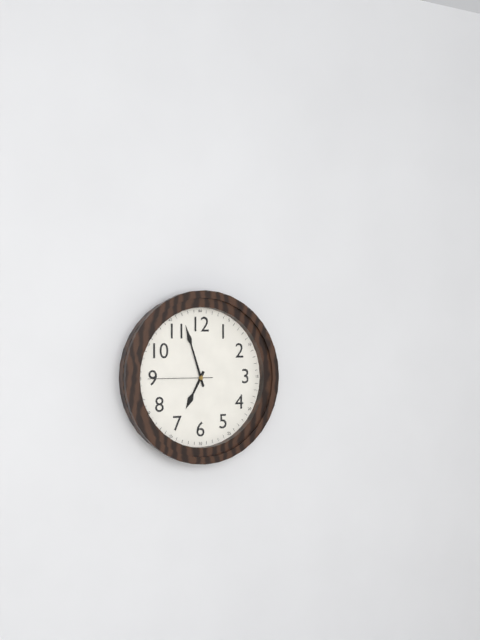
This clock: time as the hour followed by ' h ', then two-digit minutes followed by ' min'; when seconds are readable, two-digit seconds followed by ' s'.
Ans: 6 h 57 min 45 s
